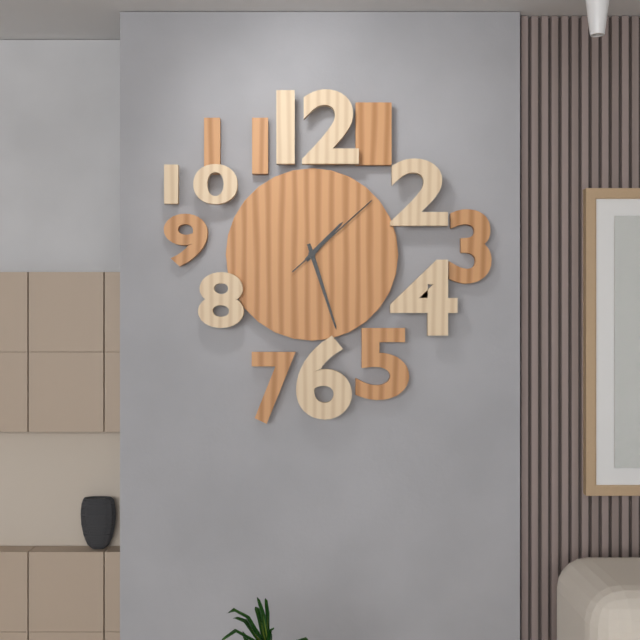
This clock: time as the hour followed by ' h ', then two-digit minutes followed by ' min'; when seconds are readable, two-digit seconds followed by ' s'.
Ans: 1 h 27 min 08 s
